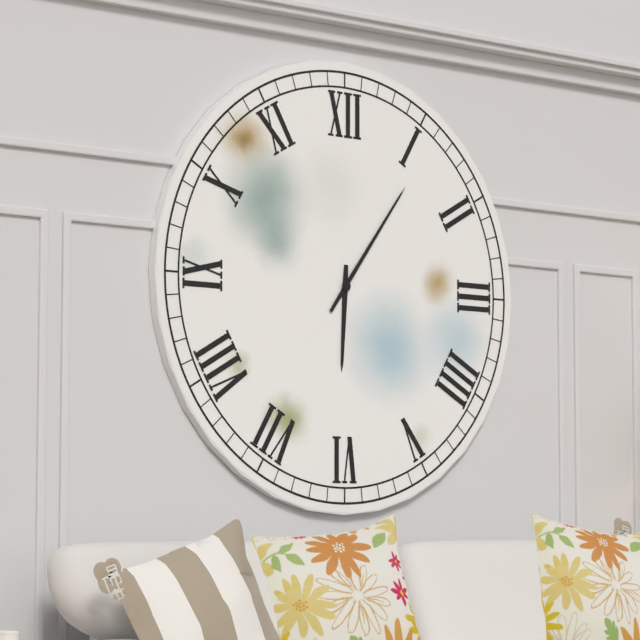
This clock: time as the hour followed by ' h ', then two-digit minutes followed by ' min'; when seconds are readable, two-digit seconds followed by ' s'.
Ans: 6 h 06 min
